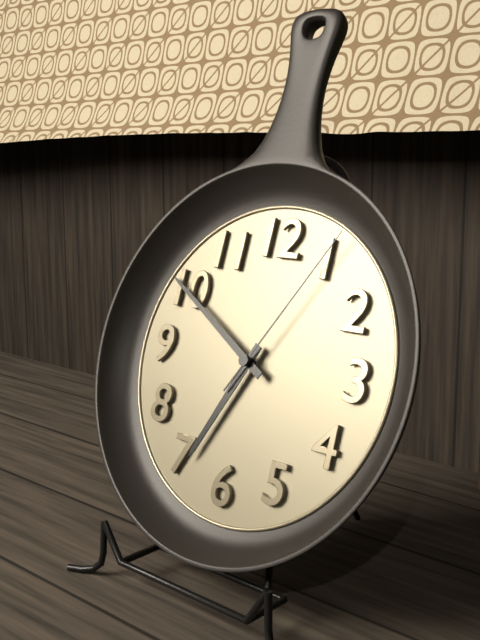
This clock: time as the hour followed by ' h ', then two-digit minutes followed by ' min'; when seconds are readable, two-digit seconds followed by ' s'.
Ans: 6 h 50 min 05 s
